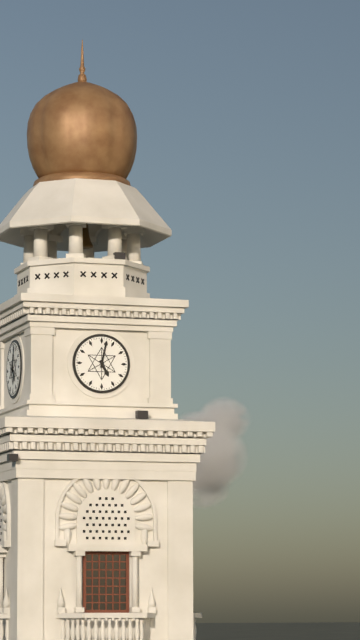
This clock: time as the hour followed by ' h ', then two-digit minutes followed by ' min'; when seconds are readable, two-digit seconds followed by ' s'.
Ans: 5 h 02 min
